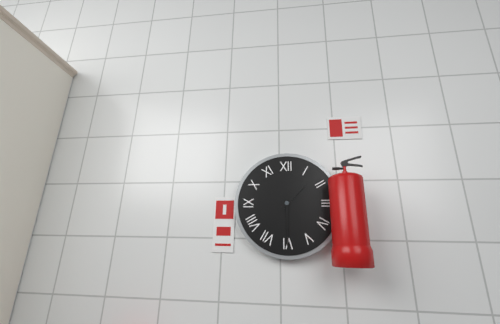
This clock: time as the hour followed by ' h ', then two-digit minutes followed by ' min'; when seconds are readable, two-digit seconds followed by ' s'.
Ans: 1 h 30 min
